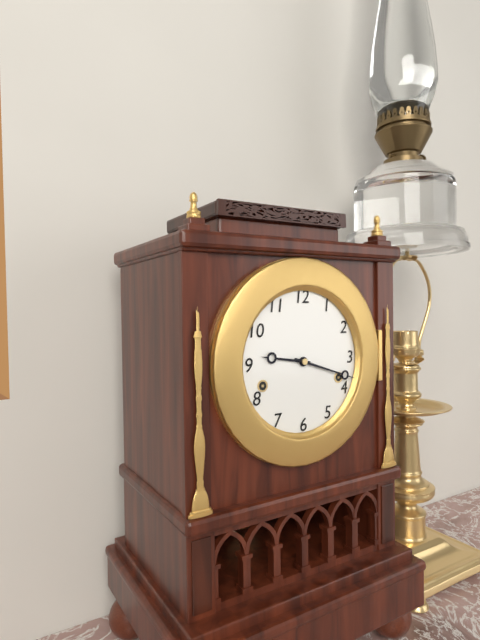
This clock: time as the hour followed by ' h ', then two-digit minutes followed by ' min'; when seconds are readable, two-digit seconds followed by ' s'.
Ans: 9 h 18 min
